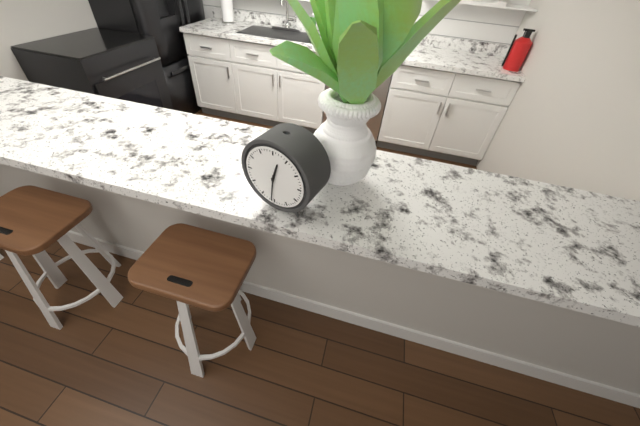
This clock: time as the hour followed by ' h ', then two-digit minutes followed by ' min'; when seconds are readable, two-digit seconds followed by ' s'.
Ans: 12 h 31 min
